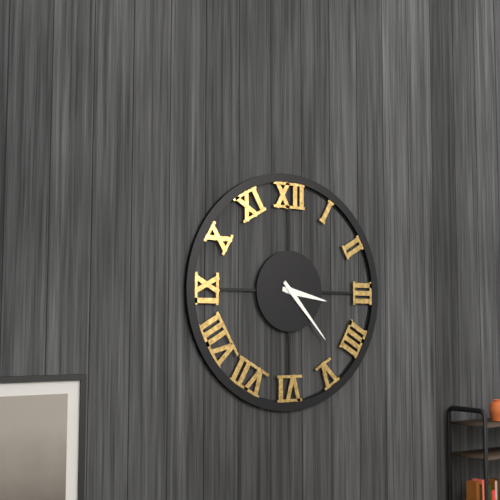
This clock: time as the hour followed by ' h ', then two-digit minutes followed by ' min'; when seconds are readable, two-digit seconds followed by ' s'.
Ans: 3 h 23 min
